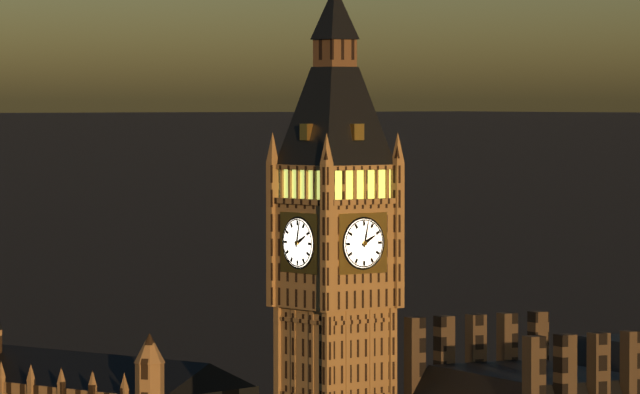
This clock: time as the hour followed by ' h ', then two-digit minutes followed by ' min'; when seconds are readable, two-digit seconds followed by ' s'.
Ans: 2 h 02 min
